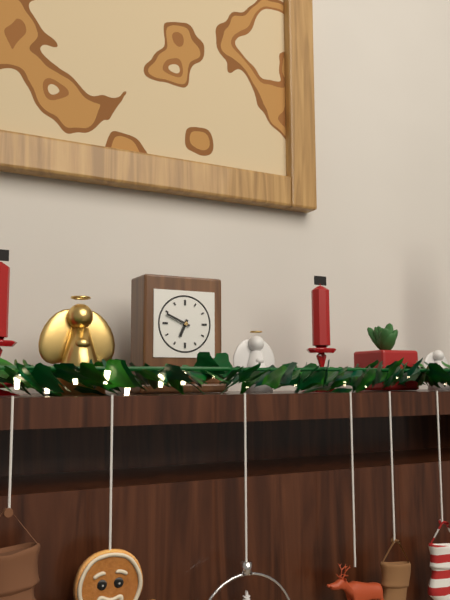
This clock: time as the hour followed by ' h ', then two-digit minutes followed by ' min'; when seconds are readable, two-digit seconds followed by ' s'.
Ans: 6 h 49 min
